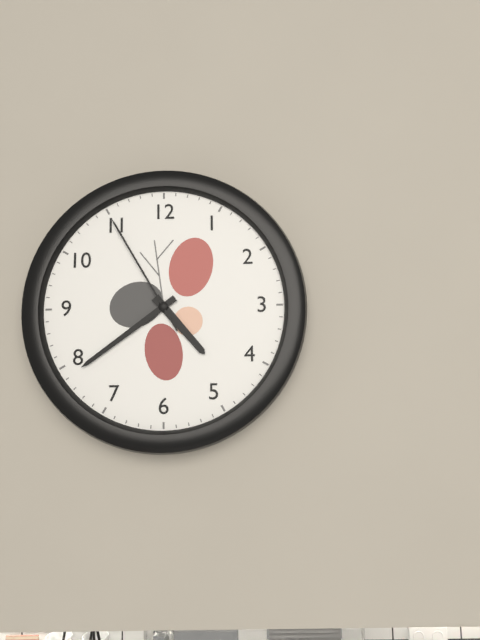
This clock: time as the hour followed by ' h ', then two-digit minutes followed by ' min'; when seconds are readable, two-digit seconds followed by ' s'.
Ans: 4 h 39 min 55 s
